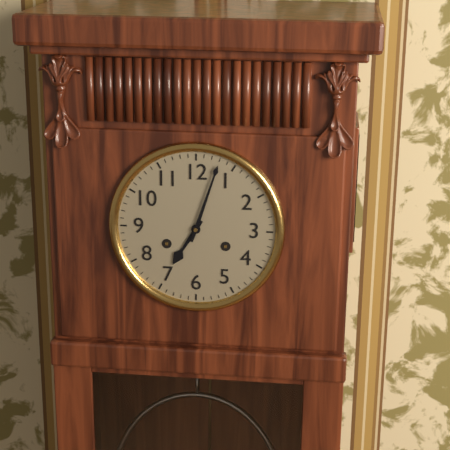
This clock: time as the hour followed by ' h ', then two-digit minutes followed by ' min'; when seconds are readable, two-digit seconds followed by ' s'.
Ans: 7 h 03 min
